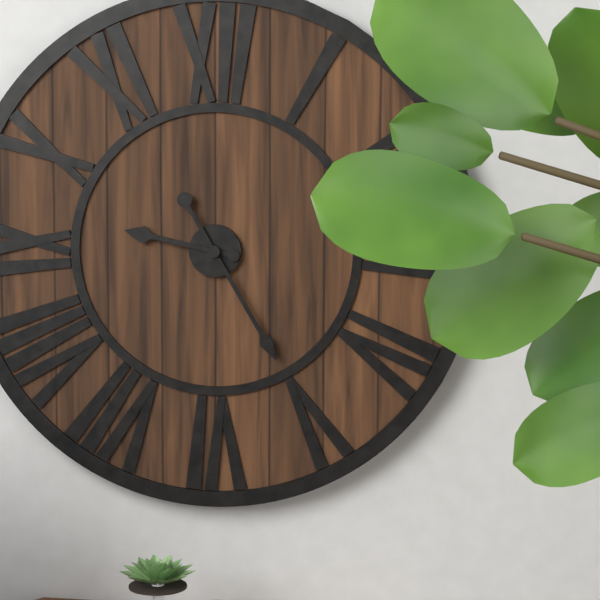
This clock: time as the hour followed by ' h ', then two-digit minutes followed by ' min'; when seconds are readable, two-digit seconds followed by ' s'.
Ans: 9 h 25 min
